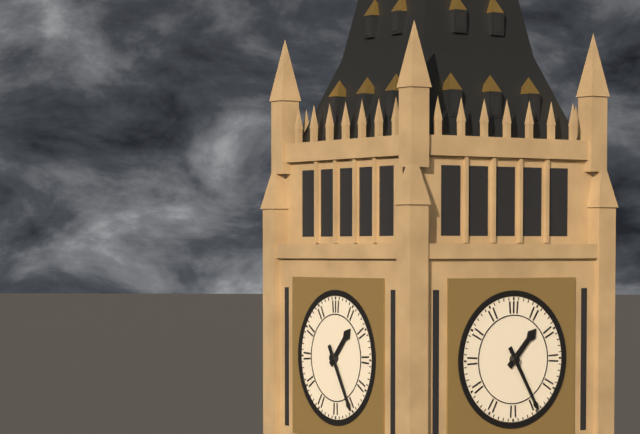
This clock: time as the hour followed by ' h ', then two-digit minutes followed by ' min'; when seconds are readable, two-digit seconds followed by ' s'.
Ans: 1 h 25 min
